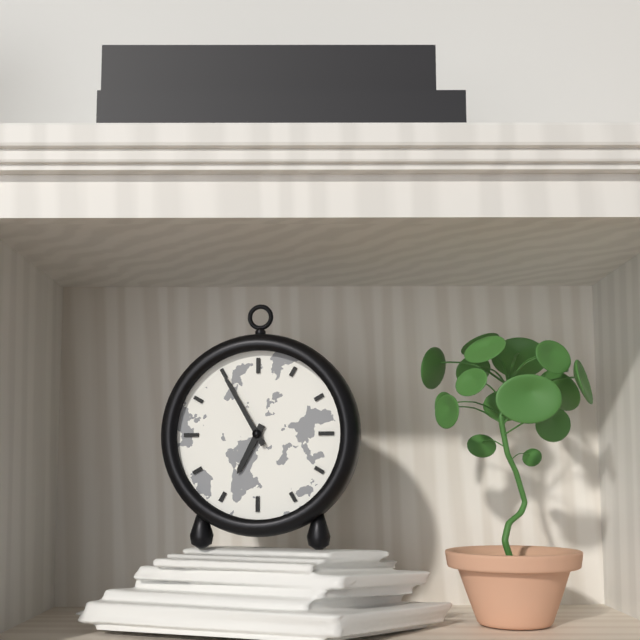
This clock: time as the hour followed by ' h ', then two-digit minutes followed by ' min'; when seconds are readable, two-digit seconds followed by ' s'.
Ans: 6 h 55 min
